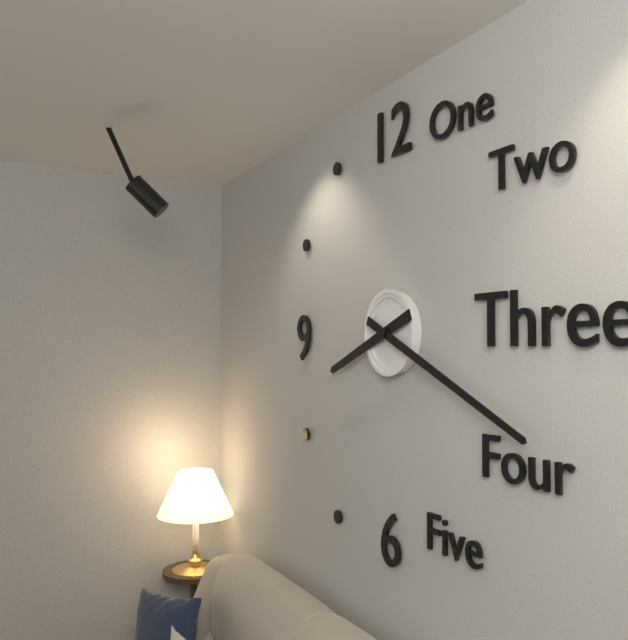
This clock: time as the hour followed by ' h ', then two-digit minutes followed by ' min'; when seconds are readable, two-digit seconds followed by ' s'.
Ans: 8 h 19 min
